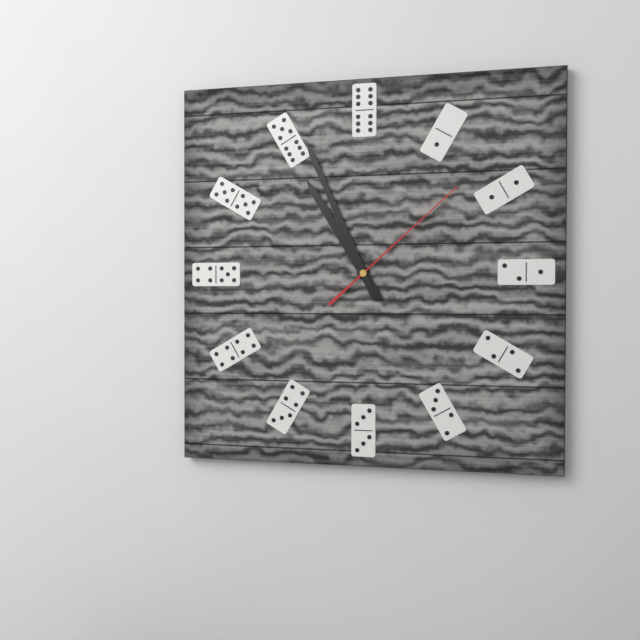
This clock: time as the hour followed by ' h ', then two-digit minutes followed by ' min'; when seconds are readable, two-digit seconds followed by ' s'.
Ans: 10 h 56 min 08 s
